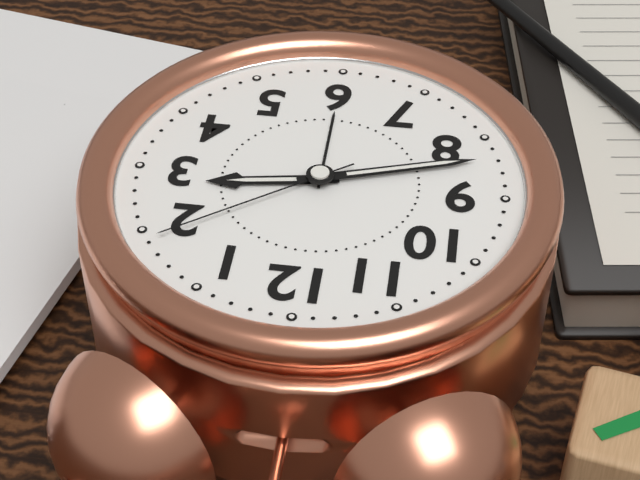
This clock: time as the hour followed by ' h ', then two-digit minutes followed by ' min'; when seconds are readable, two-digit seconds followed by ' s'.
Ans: 2 h 42 min 09 s
